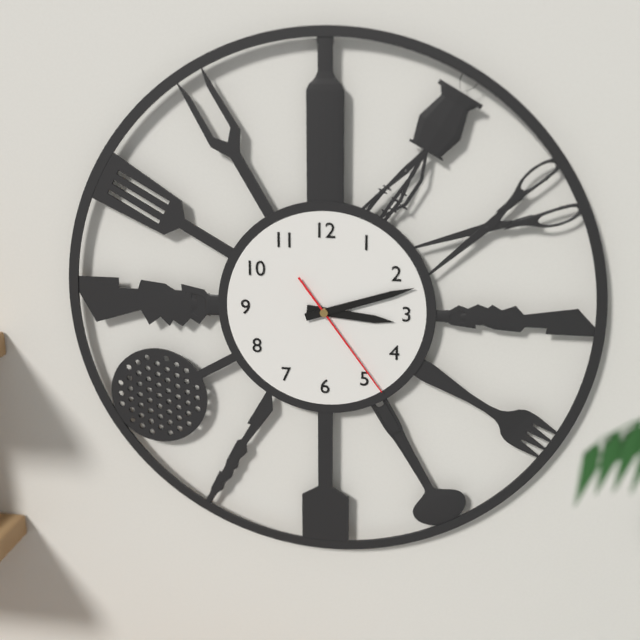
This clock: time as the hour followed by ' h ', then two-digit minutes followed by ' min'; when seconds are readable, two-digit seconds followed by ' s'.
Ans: 3 h 12 min 24 s
